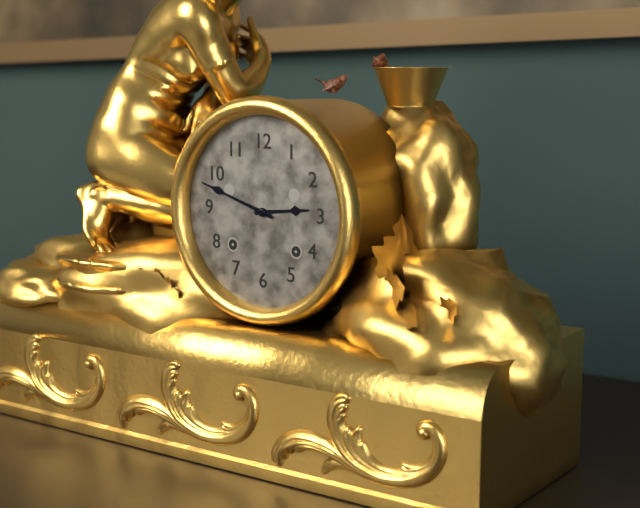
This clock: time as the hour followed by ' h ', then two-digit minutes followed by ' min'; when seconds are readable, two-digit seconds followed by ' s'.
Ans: 2 h 48 min
